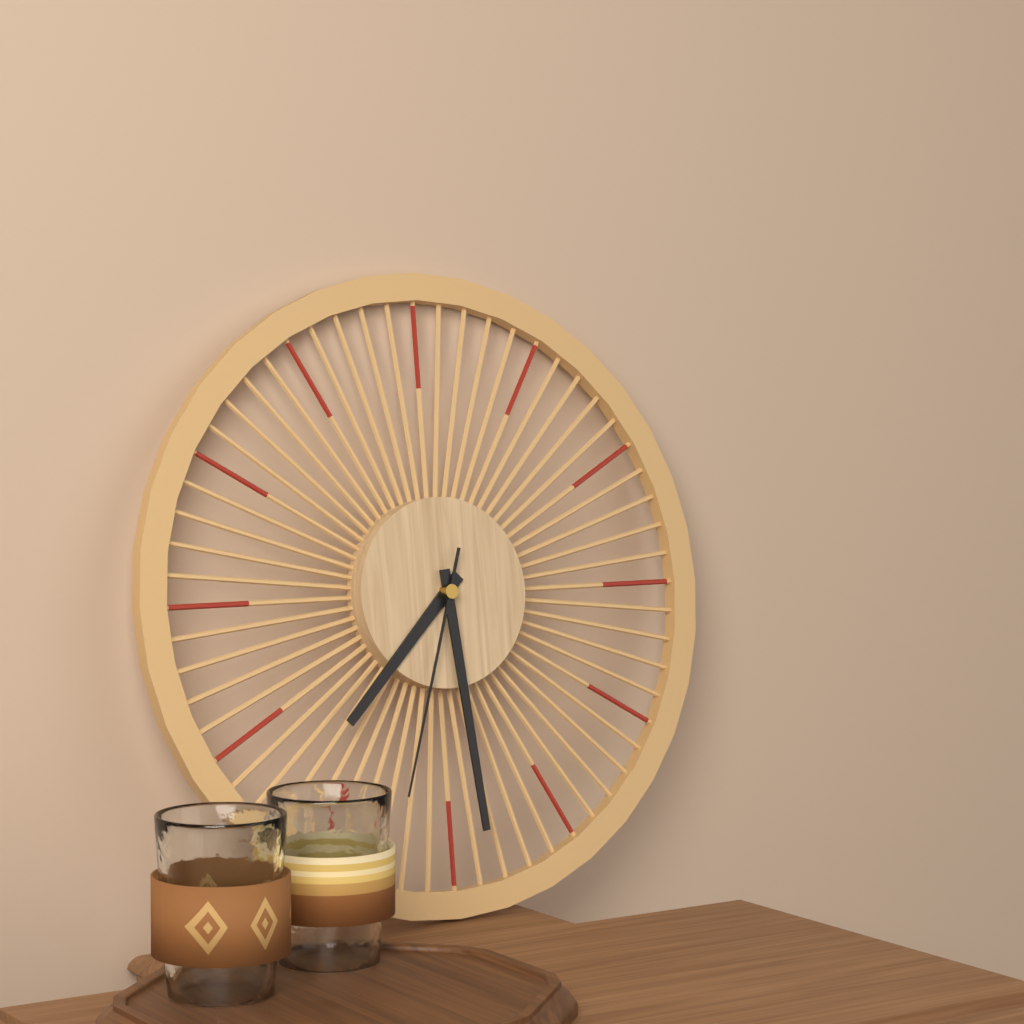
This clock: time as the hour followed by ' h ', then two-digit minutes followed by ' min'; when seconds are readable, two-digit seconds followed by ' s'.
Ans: 7 h 29 min 33 s
